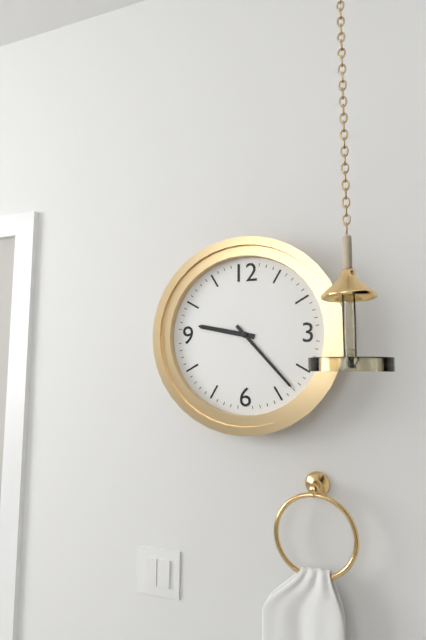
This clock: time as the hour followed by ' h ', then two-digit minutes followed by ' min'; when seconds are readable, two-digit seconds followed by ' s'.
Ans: 9 h 23 min
